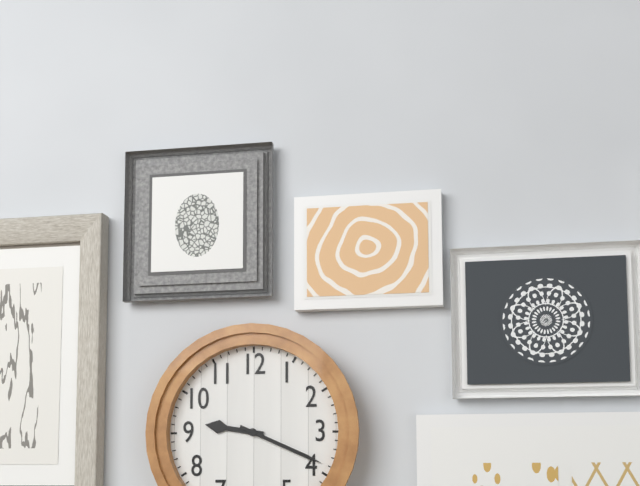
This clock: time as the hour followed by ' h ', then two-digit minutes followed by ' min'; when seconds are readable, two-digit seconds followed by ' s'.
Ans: 9 h 19 min
